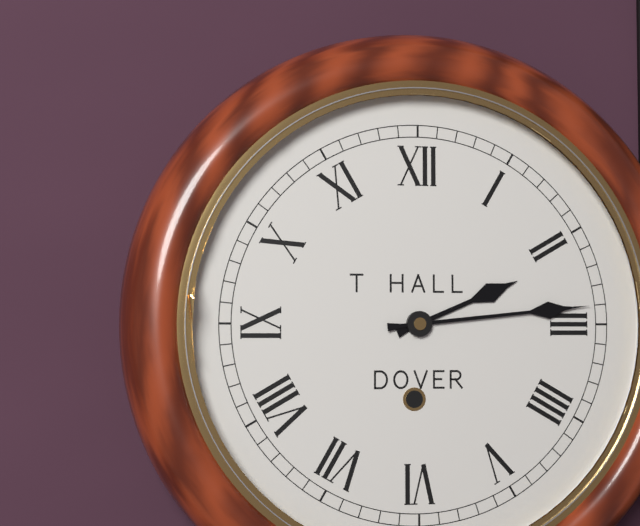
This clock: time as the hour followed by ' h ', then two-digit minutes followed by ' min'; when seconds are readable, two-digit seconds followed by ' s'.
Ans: 2 h 14 min
